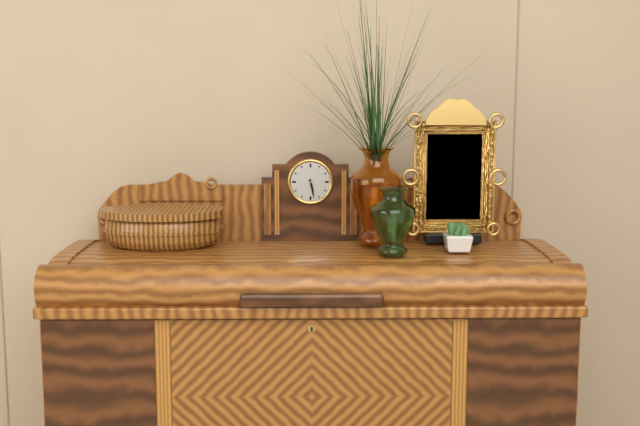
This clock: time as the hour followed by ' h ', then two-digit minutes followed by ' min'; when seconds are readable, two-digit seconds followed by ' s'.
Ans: 5 h 28 min
